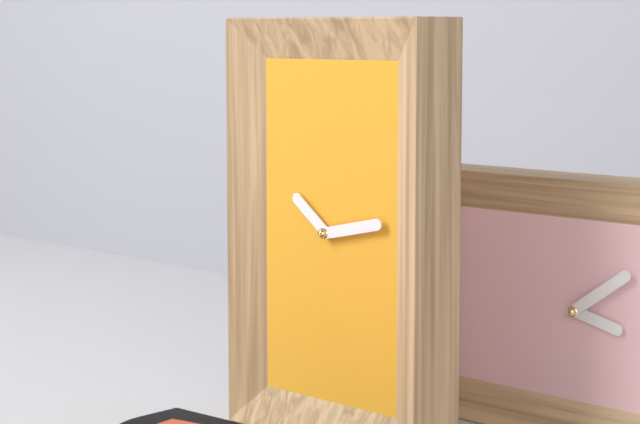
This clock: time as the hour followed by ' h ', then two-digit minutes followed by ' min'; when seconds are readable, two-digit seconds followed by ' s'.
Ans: 10 h 13 min
